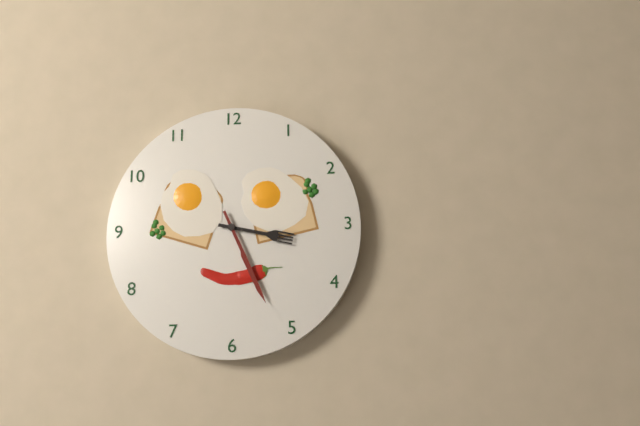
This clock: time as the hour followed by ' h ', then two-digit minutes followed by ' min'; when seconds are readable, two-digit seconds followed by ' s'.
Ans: 3 h 26 min
